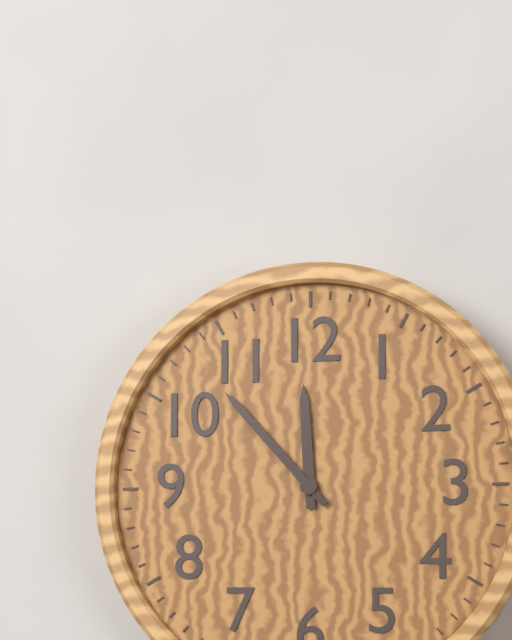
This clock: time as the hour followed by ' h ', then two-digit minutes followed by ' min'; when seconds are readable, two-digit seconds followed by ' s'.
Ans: 11 h 53 min
